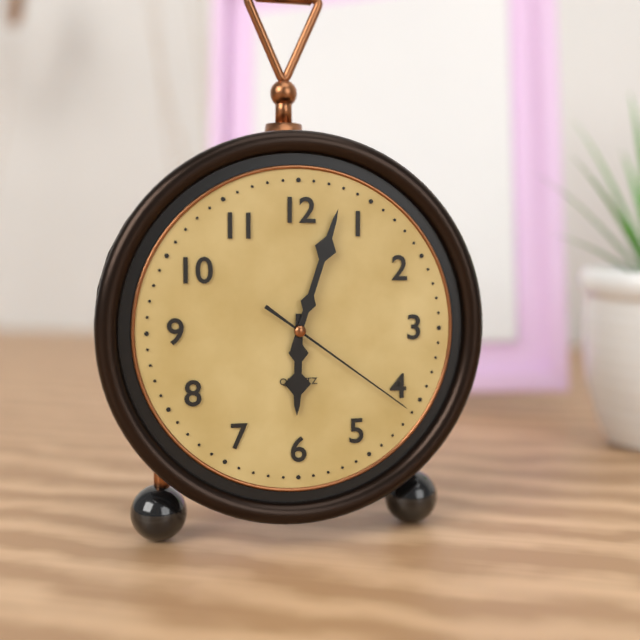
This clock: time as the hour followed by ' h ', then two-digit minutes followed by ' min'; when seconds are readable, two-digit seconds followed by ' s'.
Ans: 6 h 03 min 21 s
